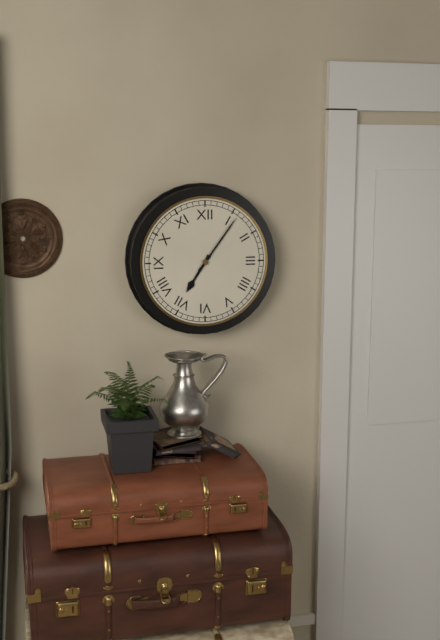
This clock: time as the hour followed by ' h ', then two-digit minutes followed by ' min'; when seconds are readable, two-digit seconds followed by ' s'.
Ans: 7 h 06 min
